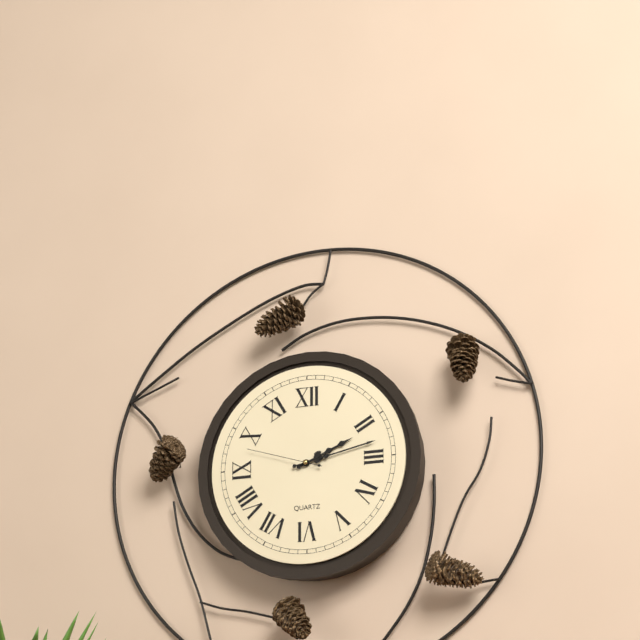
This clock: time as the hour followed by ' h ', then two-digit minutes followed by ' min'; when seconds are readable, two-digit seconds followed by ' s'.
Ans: 2 h 13 min 48 s
